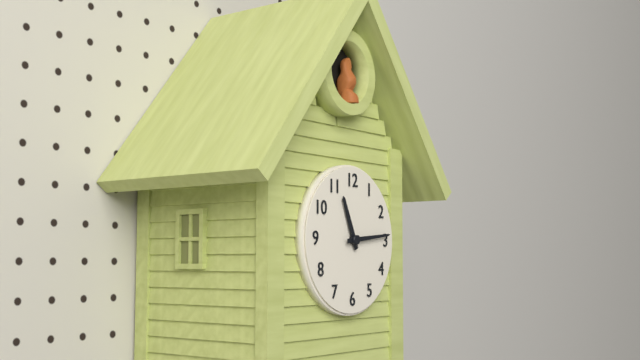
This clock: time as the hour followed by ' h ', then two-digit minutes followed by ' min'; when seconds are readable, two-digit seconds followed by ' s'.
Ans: 11 h 14 min
